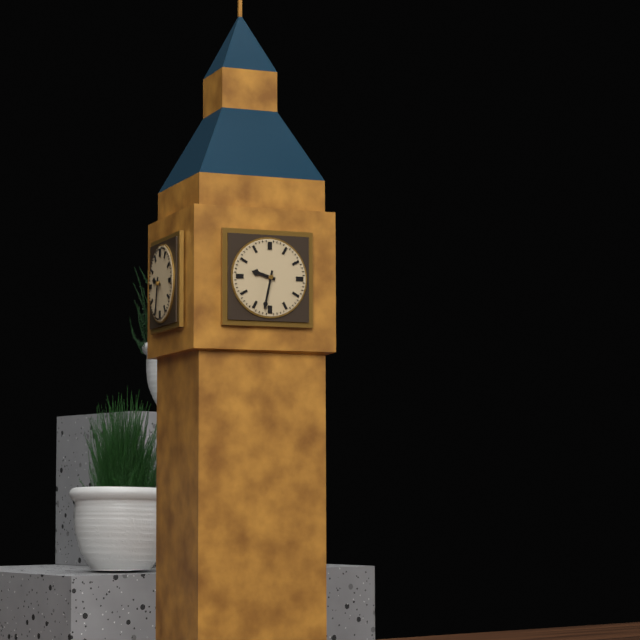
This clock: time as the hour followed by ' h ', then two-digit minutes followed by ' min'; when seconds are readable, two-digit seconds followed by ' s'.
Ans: 9 h 32 min
